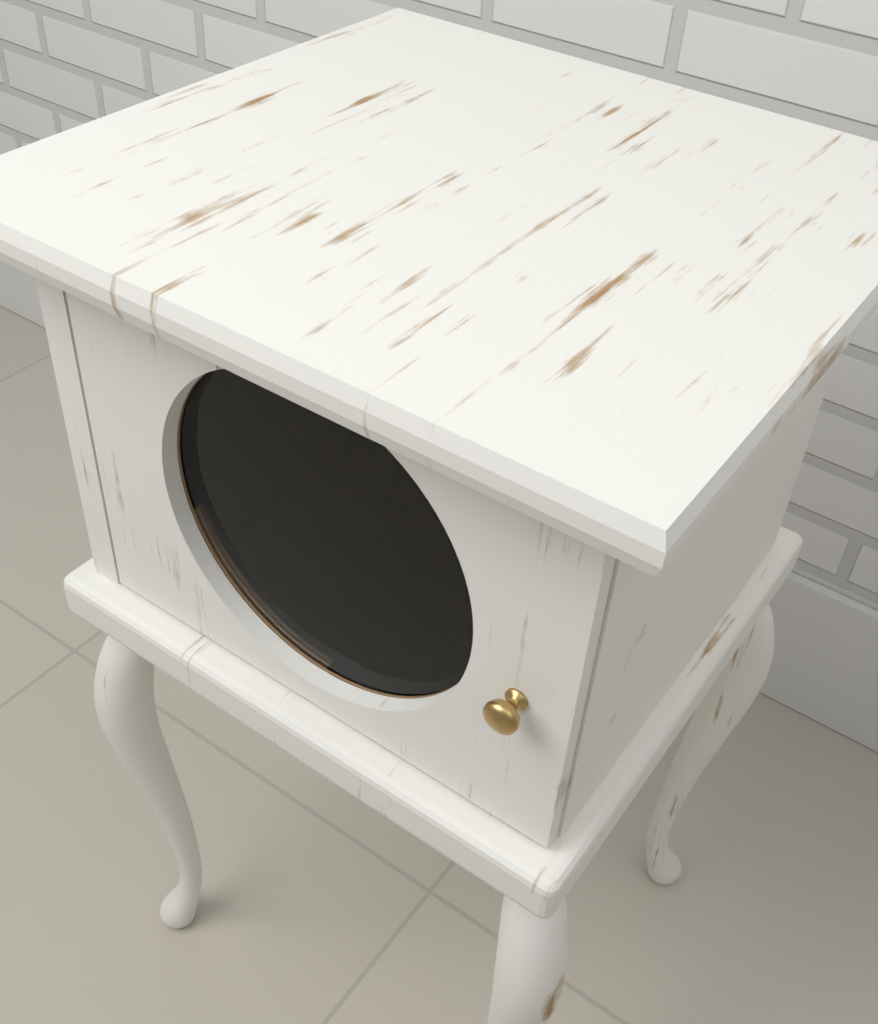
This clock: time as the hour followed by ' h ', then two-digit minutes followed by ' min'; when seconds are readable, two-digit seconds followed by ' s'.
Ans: 10 h 03 min 55 s
